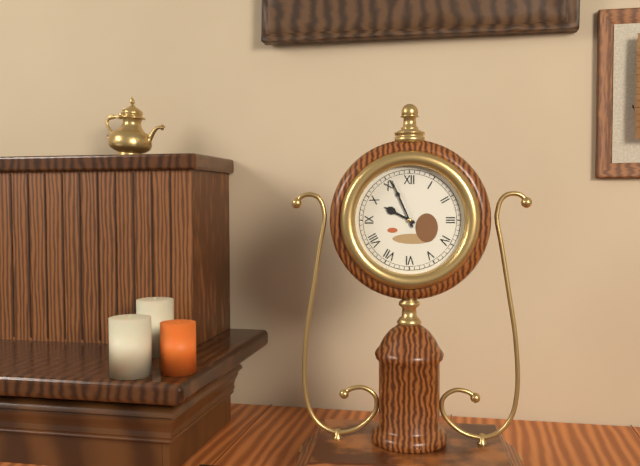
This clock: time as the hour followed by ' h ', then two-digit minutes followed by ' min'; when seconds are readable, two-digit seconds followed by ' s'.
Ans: 9 h 56 min
